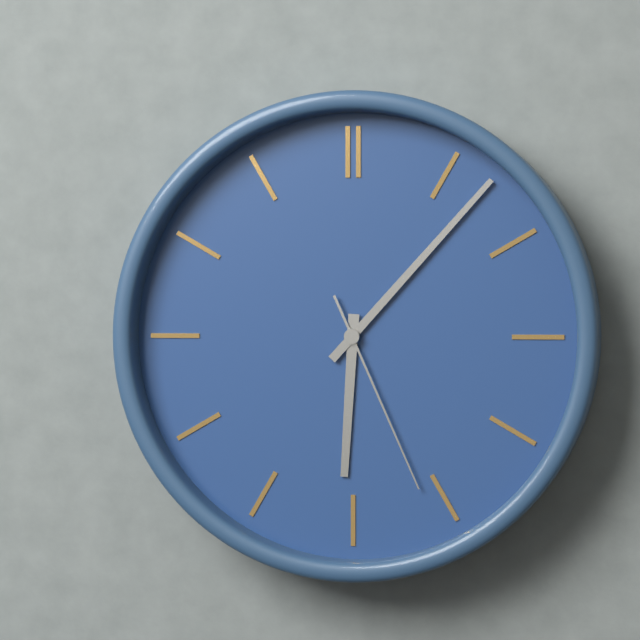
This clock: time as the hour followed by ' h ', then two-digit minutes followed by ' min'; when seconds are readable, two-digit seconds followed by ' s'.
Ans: 6 h 07 min 26 s
